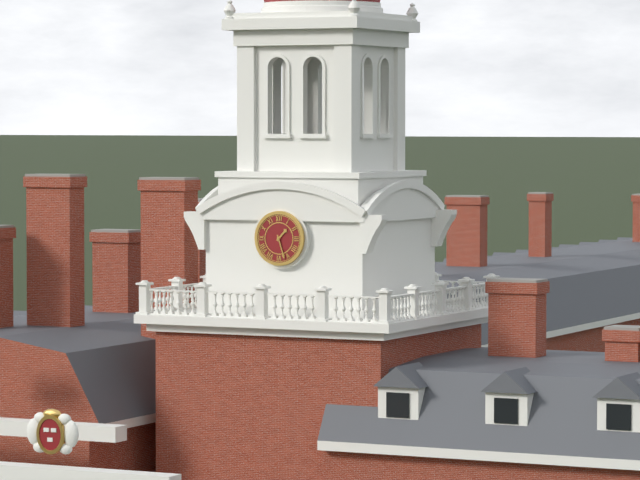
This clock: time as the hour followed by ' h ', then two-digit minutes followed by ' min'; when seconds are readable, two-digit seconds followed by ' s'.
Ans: 1 h 27 min
